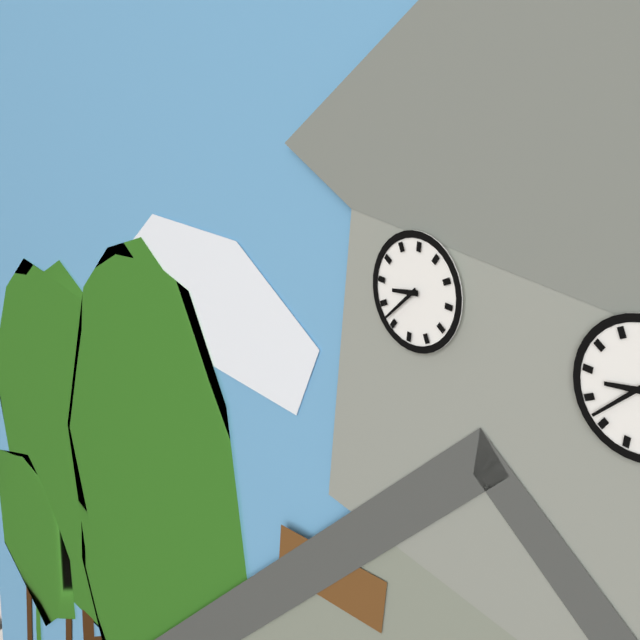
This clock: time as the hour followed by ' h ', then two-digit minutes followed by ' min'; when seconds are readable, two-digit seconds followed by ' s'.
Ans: 8 h 37 min
